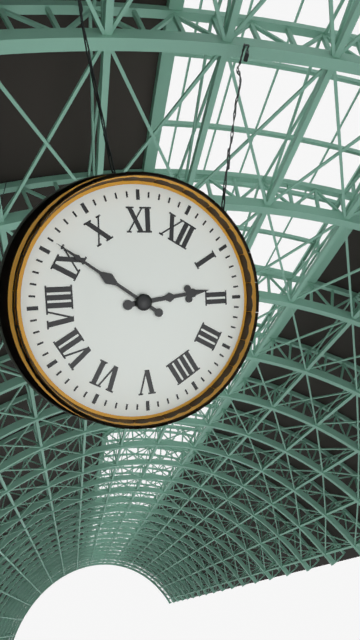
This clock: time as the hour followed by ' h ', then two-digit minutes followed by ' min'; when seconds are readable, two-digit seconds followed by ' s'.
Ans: 1 h 46 min
